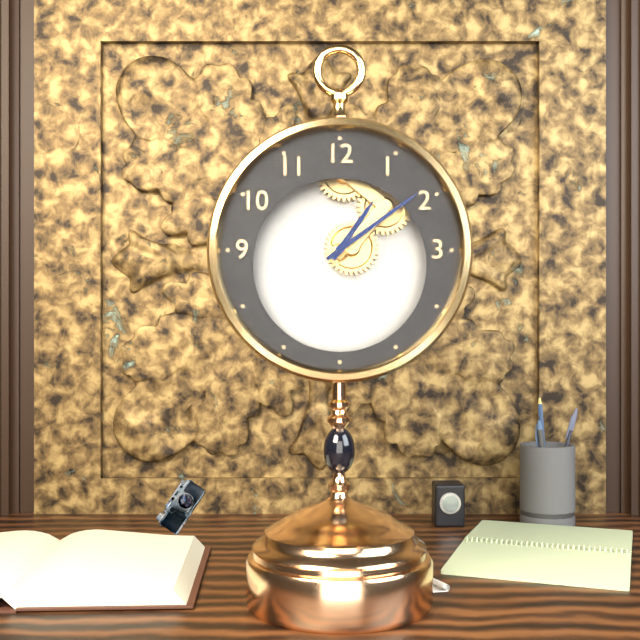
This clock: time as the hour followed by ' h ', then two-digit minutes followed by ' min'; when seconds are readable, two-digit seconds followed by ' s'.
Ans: 1 h 09 min
